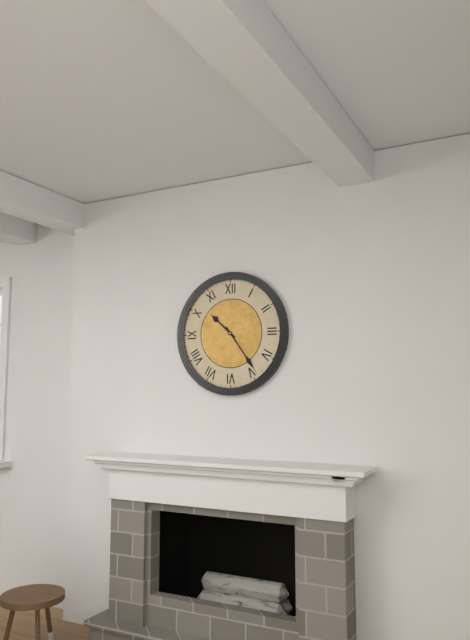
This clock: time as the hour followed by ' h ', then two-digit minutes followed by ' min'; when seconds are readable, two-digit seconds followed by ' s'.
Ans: 10 h 24 min
